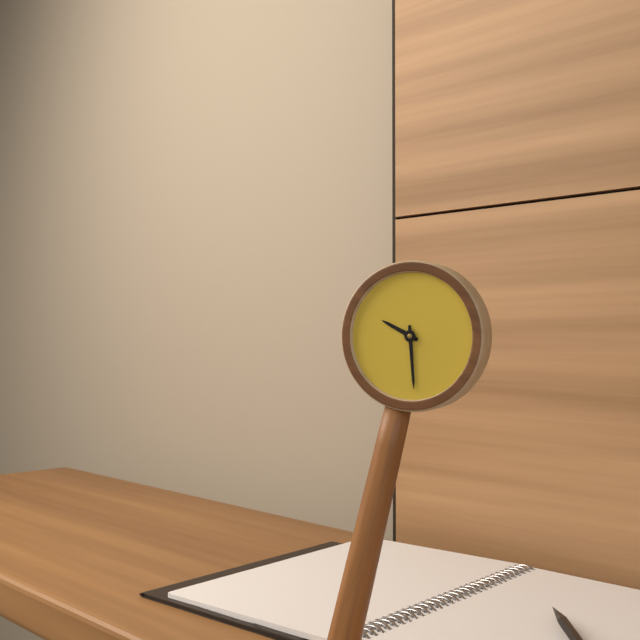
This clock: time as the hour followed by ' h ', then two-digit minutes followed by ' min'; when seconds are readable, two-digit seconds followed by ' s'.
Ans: 9 h 27 min
